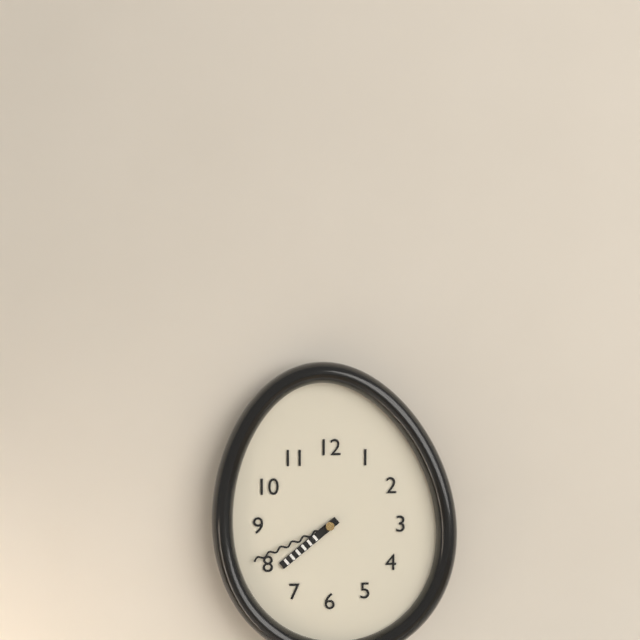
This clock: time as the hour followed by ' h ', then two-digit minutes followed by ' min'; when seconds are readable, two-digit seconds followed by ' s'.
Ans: 7 h 41 min
